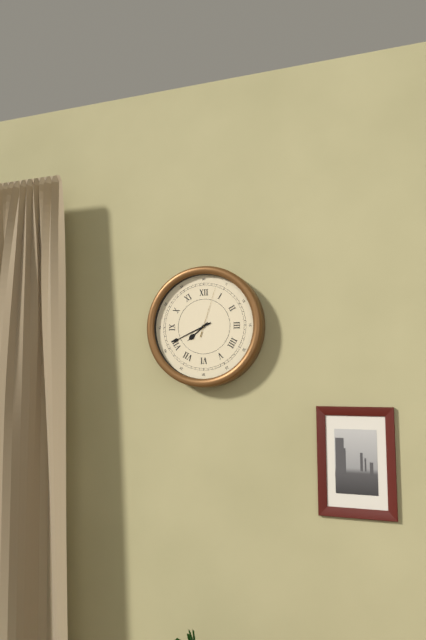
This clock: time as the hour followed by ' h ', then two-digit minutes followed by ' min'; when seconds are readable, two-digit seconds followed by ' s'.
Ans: 7 h 41 min 03 s
